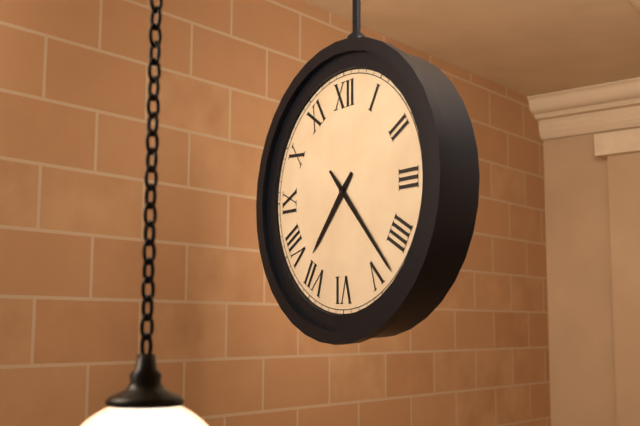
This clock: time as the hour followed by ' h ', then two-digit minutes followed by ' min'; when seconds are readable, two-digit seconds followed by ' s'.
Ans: 7 h 23 min
